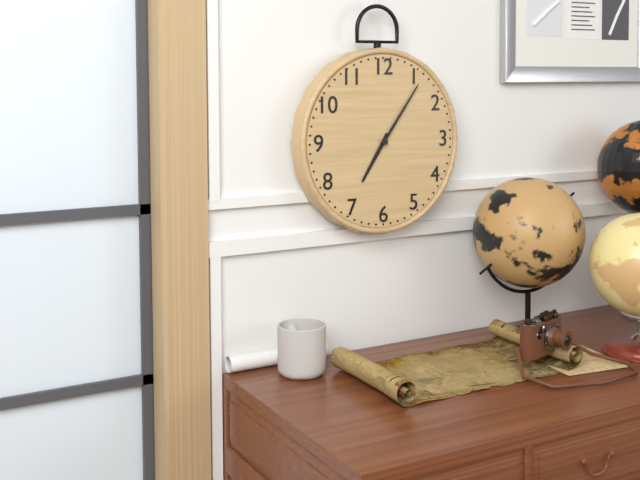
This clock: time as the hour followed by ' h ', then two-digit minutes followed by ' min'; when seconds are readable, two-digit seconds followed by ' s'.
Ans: 7 h 06 min
